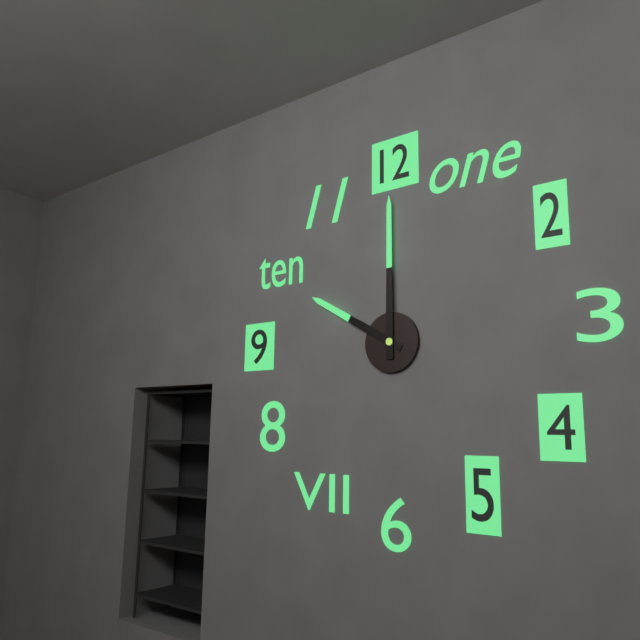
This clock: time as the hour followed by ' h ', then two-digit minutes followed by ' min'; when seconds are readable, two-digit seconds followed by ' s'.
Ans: 10 h 00 min
